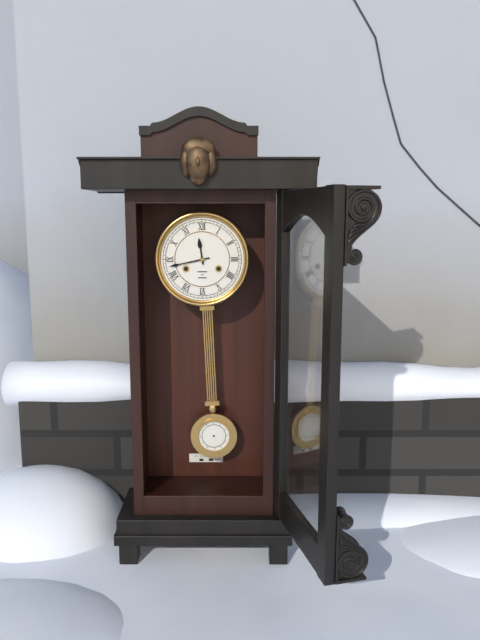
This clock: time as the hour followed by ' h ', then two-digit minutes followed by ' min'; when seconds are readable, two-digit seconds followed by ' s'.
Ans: 11 h 43 min
